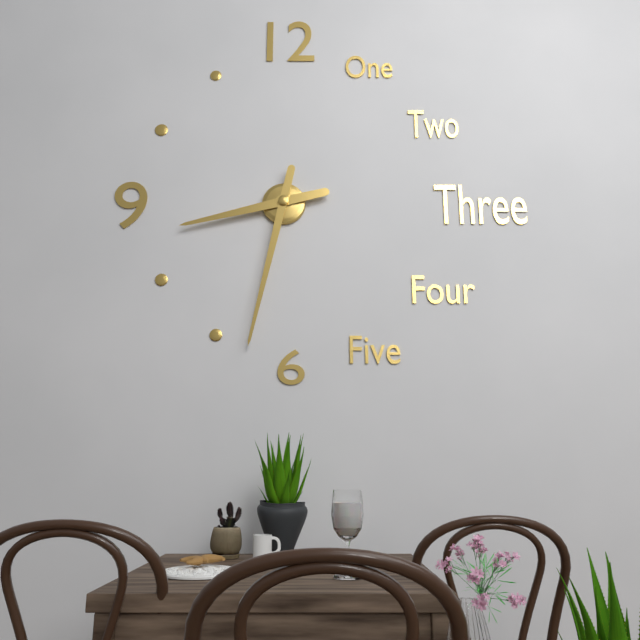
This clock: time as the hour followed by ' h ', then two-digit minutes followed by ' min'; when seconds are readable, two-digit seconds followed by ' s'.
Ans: 8 h 32 min
